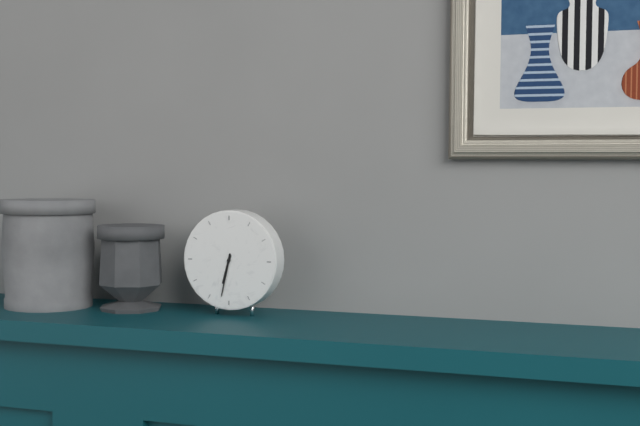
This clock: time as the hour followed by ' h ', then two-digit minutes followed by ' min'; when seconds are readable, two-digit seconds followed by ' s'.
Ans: 6 h 32 min
